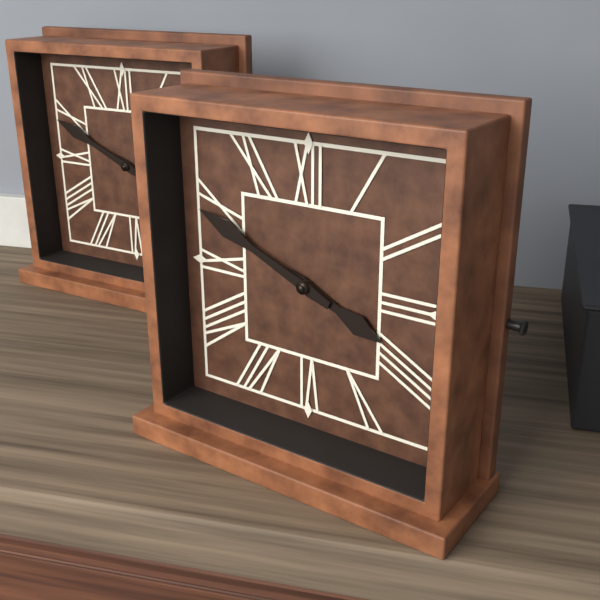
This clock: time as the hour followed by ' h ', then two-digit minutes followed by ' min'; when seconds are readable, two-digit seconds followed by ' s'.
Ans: 3 h 49 min
